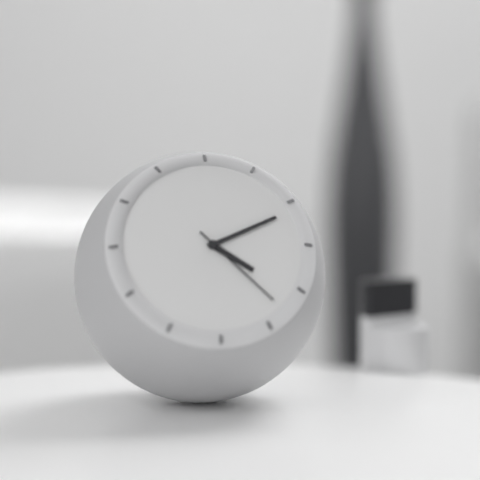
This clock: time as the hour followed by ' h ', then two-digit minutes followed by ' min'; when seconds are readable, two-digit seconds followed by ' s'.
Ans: 4 h 11 min 23 s
